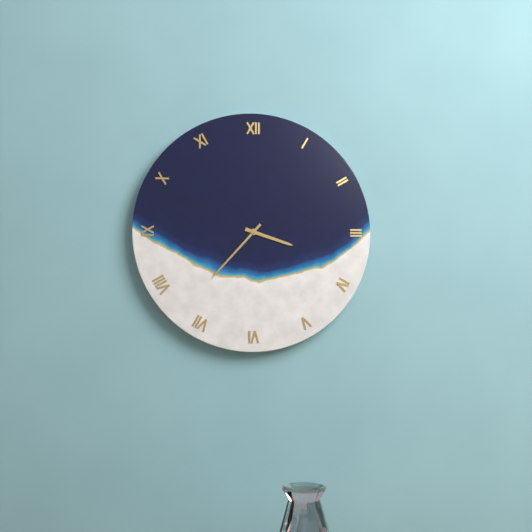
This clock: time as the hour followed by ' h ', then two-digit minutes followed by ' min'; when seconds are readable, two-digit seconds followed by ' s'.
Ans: 3 h 37 min
